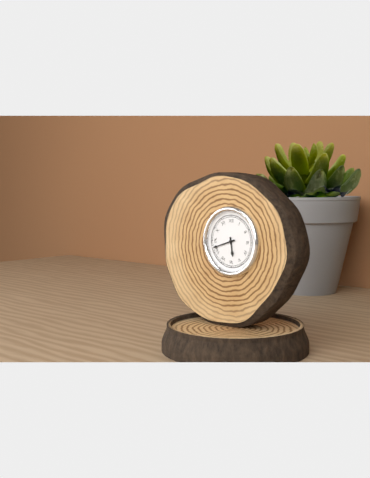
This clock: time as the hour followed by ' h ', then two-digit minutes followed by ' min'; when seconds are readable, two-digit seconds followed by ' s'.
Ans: 5 h 42 min
